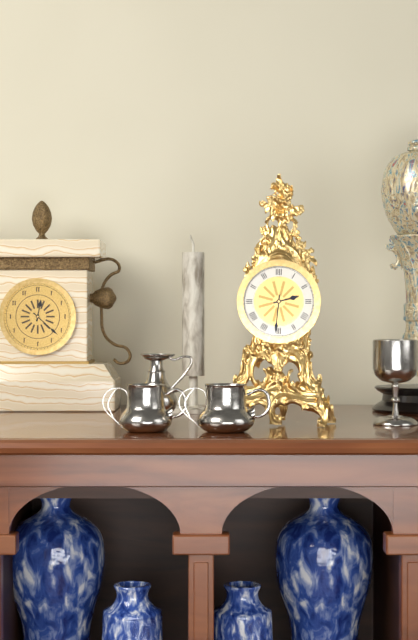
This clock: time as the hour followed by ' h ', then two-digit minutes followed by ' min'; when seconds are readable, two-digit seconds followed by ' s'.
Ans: 2 h 31 min
